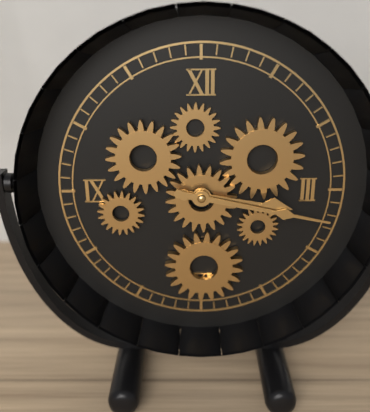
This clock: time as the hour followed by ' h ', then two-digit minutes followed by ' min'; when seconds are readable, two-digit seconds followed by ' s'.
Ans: 3 h 17 min
